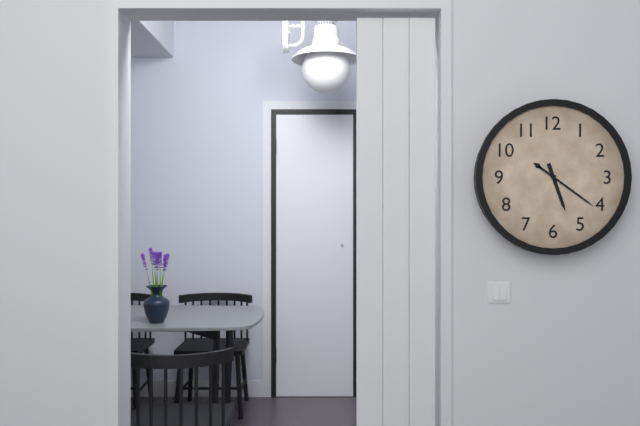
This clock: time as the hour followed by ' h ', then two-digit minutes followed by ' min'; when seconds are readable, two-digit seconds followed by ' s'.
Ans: 5 h 21 min
